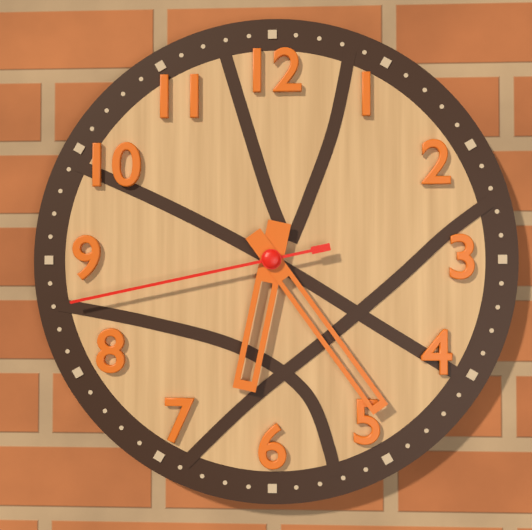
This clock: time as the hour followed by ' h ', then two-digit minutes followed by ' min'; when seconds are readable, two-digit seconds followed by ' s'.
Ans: 6 h 24 min 43 s
